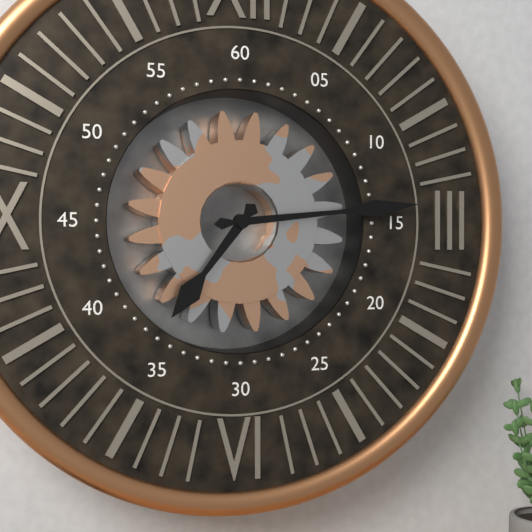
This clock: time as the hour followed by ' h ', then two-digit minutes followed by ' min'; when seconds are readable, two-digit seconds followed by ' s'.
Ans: 7 h 14 min
